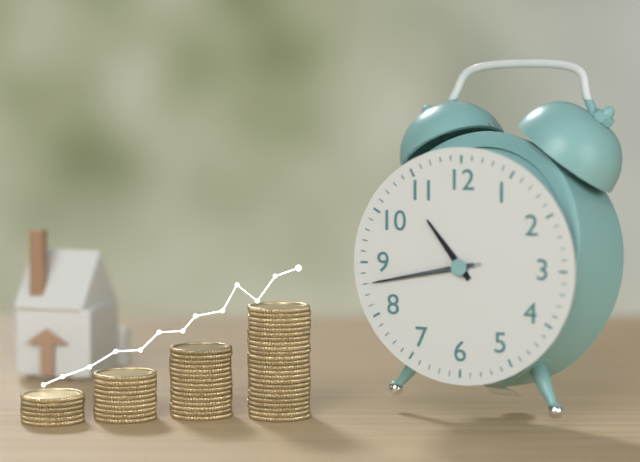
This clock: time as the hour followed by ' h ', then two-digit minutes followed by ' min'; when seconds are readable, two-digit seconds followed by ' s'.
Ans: 10 h 43 min 43 s
